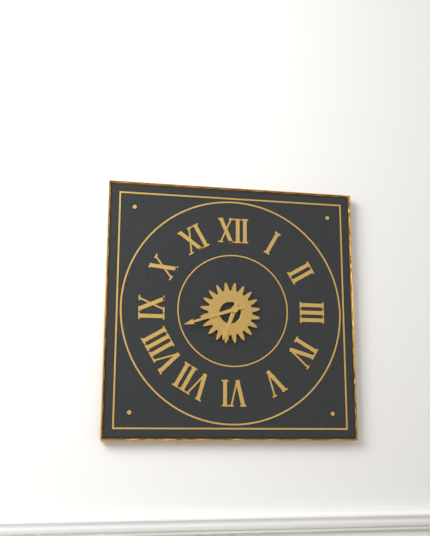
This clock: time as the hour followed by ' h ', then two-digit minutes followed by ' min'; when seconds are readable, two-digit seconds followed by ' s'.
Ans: 6 h 42 min
